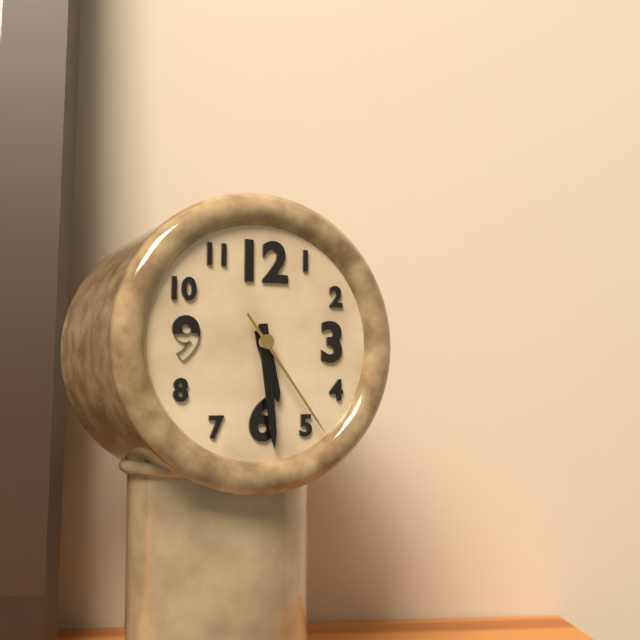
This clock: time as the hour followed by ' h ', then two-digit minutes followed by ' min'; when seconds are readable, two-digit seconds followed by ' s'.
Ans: 5 h 29 min 24 s
